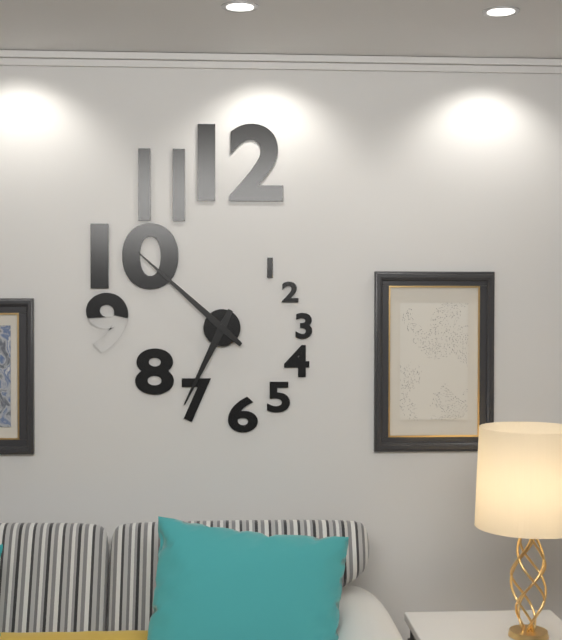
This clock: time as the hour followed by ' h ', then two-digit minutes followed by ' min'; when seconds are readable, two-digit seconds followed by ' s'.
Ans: 6 h 52 min
